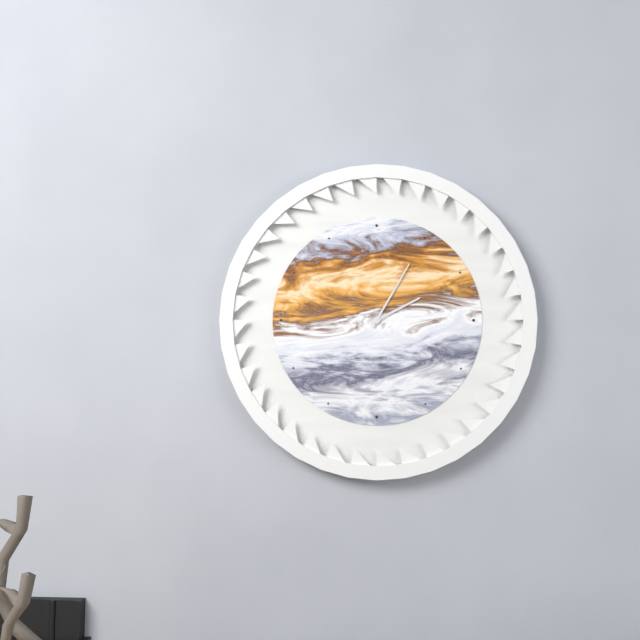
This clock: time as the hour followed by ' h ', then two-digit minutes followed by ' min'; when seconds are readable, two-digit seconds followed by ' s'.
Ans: 2 h 05 min
